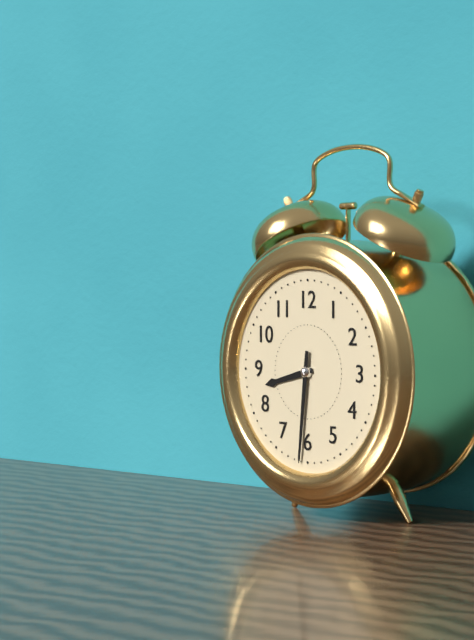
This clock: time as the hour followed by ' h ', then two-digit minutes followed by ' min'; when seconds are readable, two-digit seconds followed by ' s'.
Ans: 8 h 31 min
